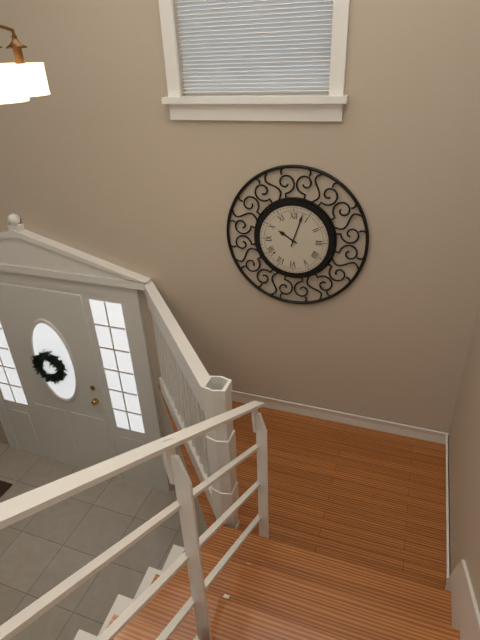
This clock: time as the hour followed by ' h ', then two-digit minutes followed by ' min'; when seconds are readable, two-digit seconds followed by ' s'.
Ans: 10 h 03 min
